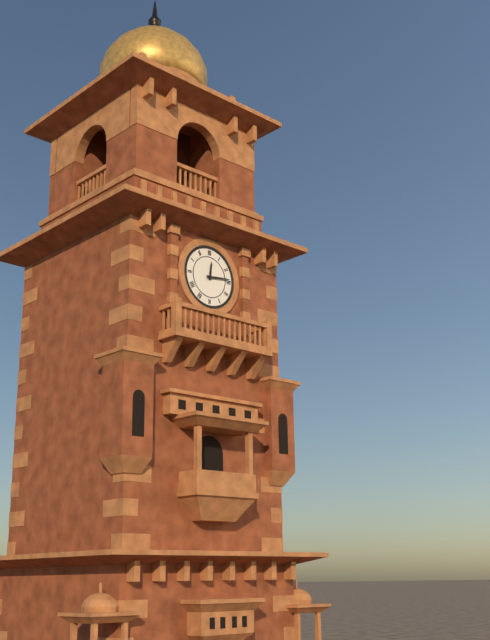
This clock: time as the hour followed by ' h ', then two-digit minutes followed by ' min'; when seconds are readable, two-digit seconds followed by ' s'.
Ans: 12 h 14 min
